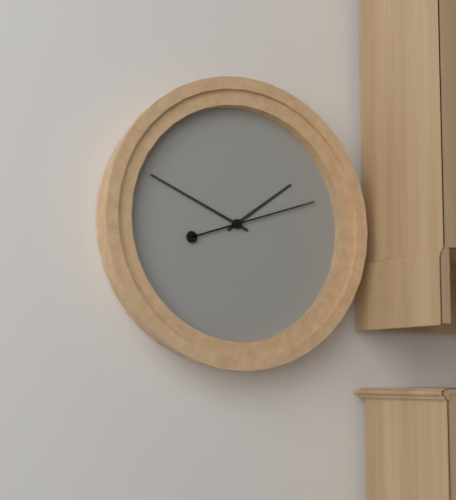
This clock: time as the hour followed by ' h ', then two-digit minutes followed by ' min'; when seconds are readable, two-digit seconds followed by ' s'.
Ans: 1 h 49 min 12 s
